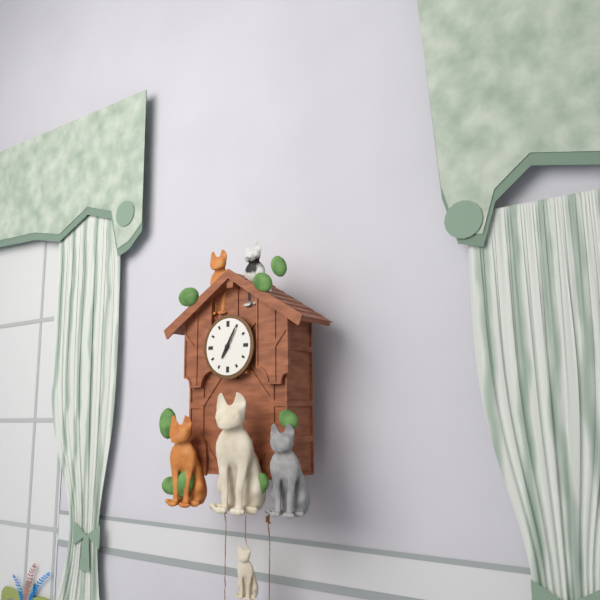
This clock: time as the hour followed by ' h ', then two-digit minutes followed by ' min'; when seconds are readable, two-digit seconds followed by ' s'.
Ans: 7 h 05 min
